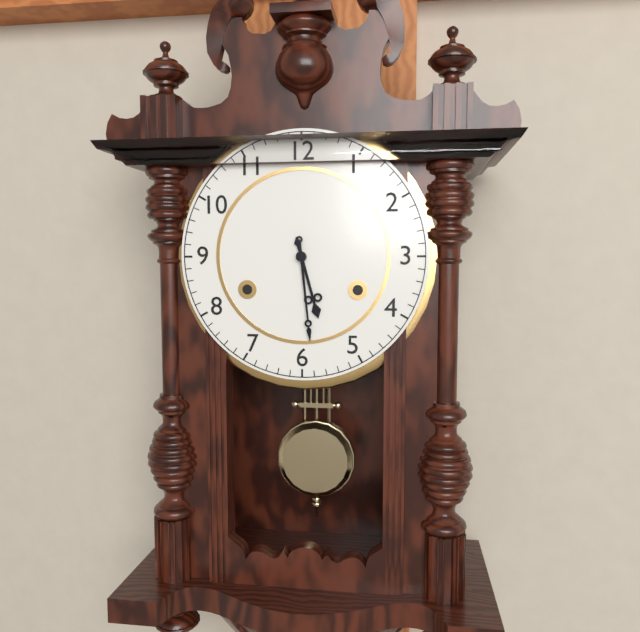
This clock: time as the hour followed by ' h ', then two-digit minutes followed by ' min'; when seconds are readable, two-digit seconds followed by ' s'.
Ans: 5 h 29 min
